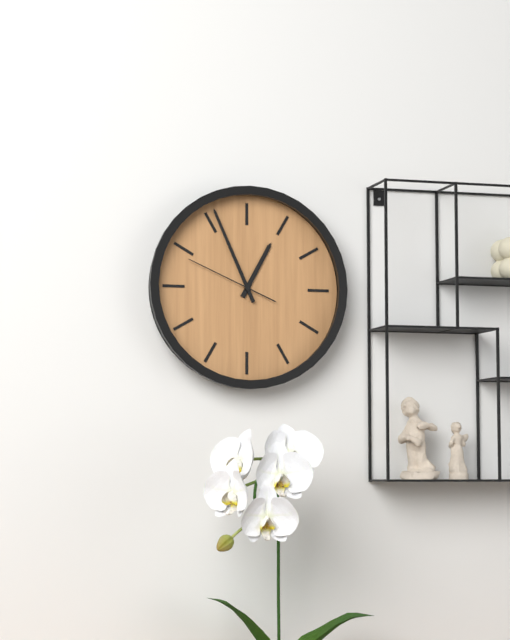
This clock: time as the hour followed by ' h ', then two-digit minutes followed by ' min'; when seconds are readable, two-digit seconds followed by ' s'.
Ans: 12 h 56 min 49 s
